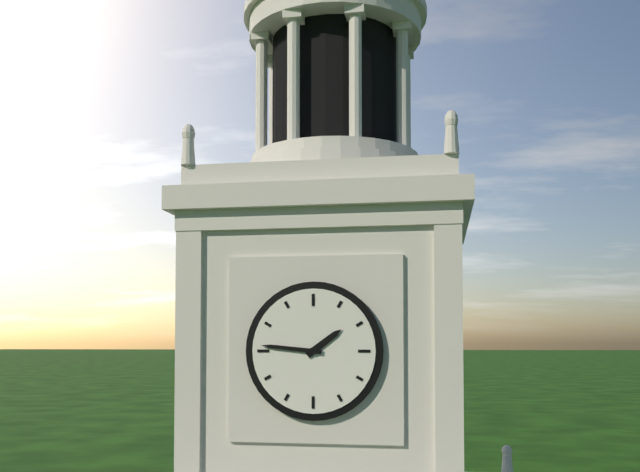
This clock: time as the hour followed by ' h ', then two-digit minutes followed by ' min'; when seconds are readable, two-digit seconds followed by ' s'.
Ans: 1 h 46 min
